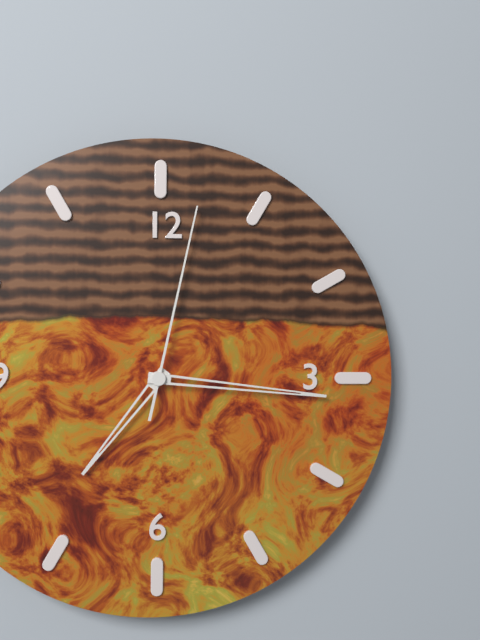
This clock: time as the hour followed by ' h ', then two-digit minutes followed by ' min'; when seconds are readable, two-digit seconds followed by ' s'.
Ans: 7 h 16 min 02 s
